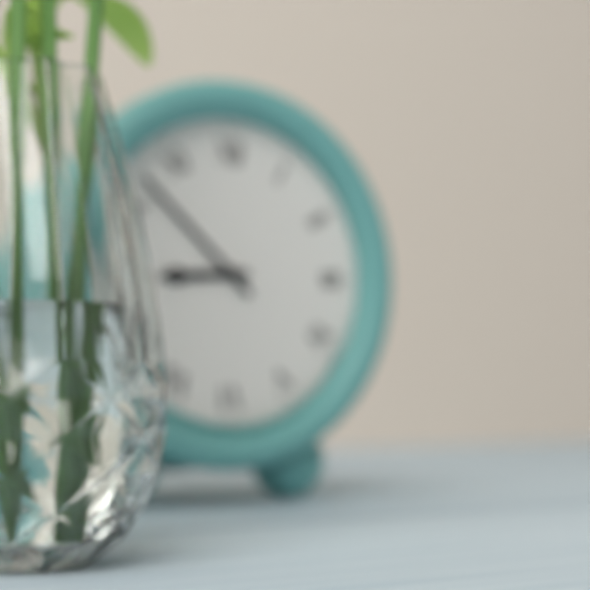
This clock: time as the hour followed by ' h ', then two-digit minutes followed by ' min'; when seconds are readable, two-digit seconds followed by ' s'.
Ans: 8 h 52 min
